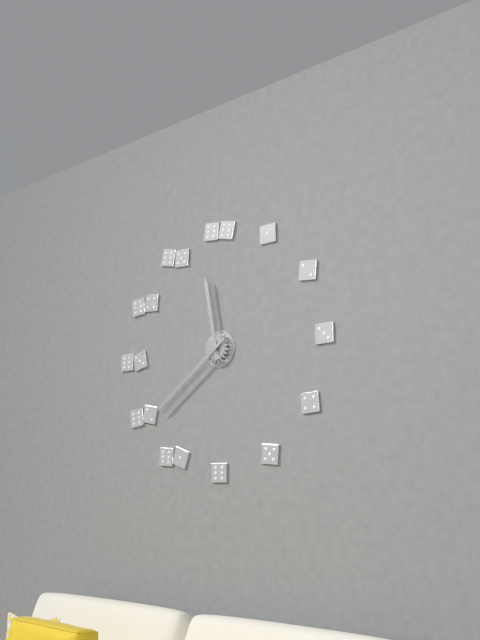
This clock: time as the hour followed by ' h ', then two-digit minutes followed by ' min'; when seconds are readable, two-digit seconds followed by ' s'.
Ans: 11 h 39 min
